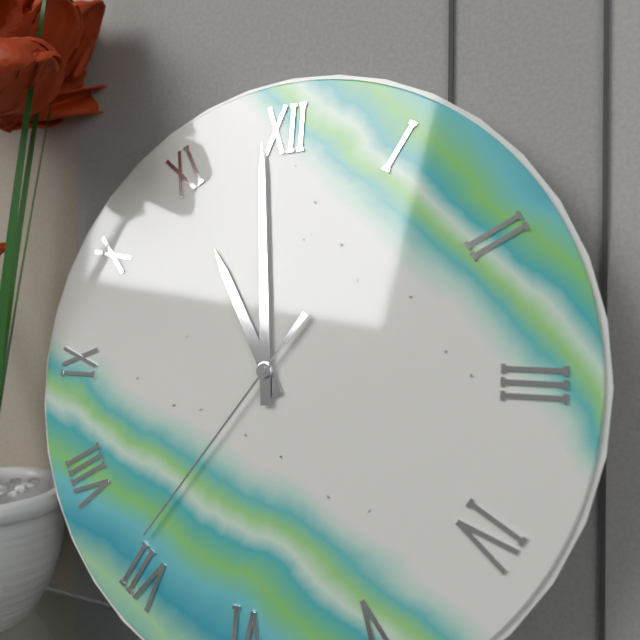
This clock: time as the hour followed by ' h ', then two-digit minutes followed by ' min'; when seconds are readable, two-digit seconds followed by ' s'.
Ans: 10 h 59 min 36 s
